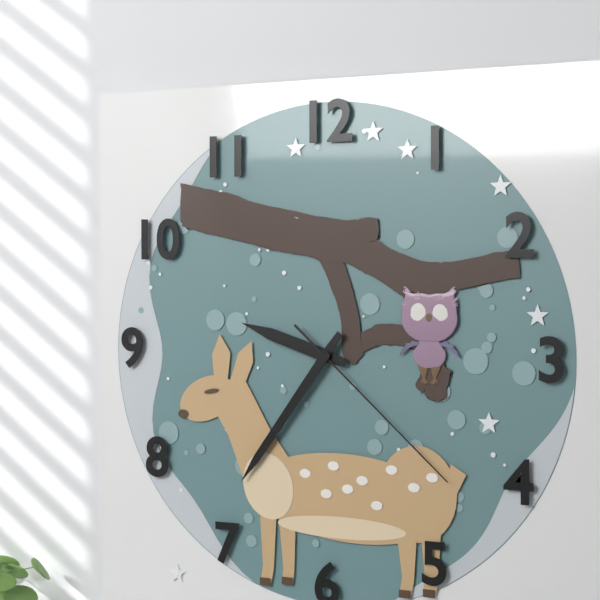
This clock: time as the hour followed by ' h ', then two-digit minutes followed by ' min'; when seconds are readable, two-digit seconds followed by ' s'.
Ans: 9 h 36 min 22 s
